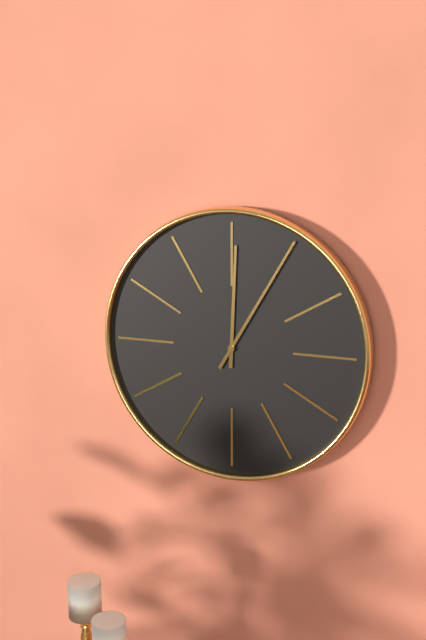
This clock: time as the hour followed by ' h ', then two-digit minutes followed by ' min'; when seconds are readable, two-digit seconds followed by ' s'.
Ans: 12 h 05 min
